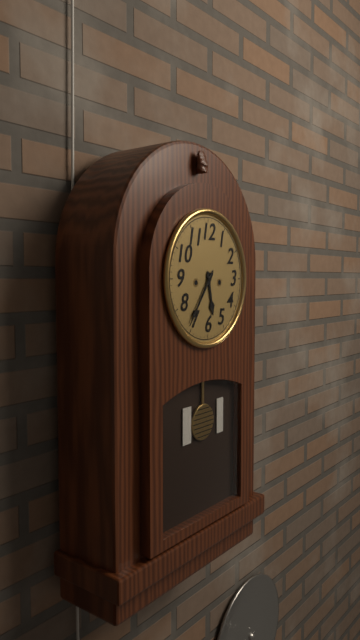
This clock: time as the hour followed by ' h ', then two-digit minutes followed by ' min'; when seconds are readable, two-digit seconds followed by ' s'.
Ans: 5 h 36 min
